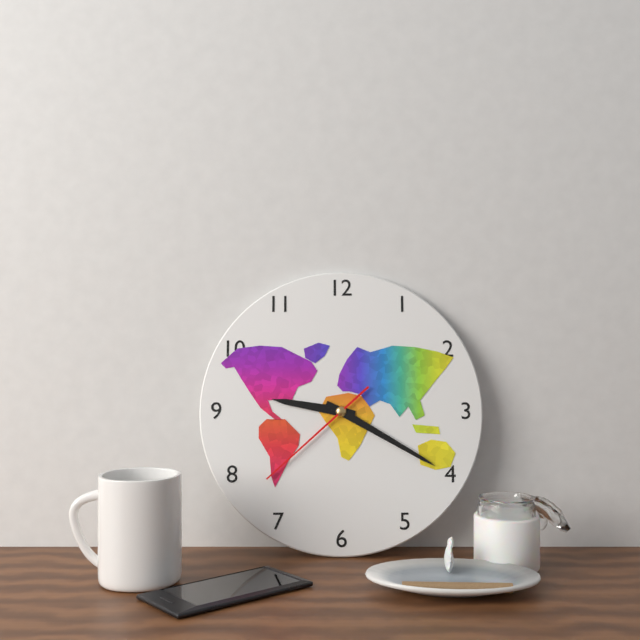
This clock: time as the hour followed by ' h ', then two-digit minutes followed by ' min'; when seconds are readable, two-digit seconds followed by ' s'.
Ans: 9 h 20 min 38 s
